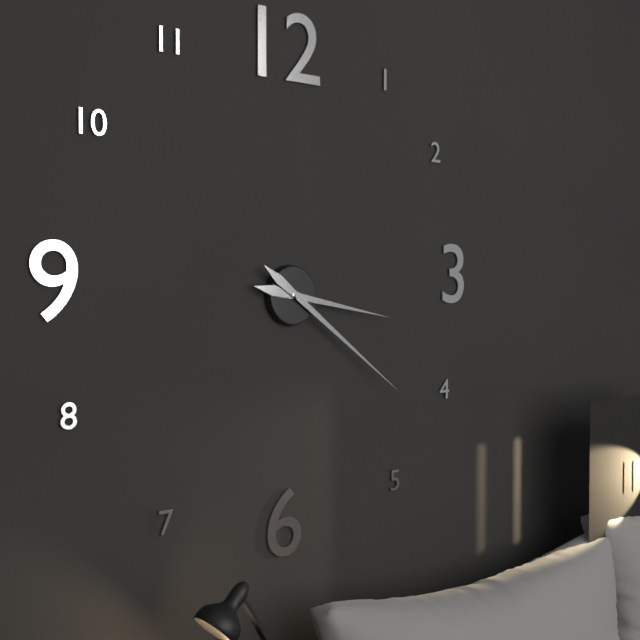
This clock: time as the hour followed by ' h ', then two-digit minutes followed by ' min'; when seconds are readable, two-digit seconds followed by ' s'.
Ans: 3 h 21 min
